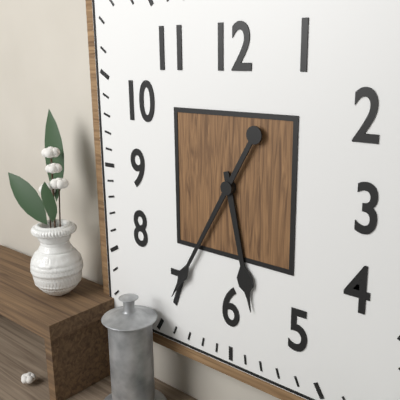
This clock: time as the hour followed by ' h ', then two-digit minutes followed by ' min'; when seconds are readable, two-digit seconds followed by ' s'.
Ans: 5 h 35 min
